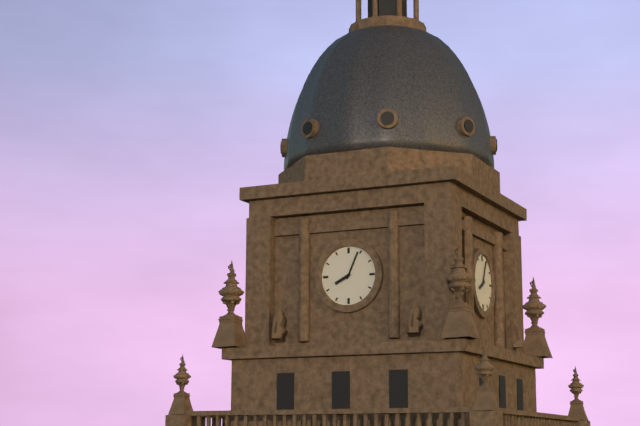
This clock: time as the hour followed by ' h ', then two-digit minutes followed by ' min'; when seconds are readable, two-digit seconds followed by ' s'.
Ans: 8 h 04 min
